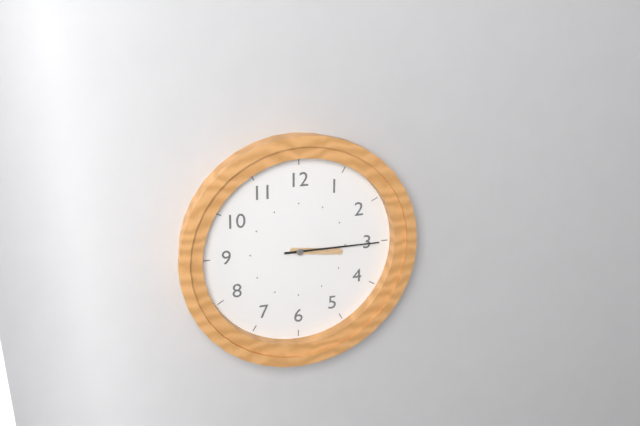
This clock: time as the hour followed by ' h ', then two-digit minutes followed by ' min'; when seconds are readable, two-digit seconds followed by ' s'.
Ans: 3 h 15 min
